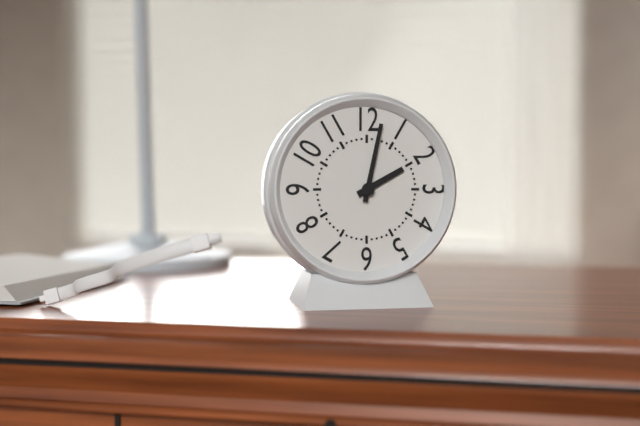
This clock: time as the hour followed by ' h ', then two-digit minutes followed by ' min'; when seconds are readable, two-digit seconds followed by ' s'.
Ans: 2 h 02 min
